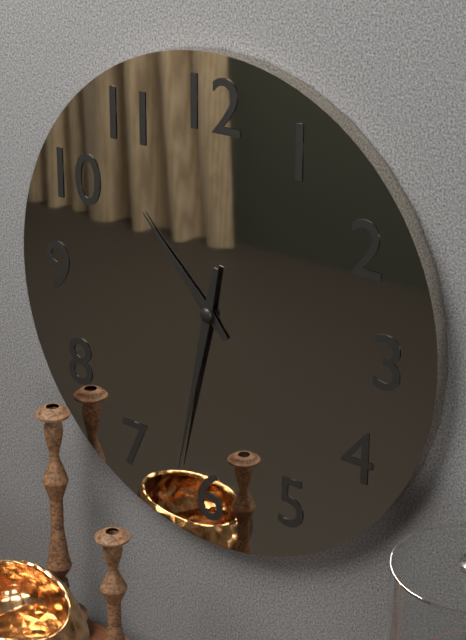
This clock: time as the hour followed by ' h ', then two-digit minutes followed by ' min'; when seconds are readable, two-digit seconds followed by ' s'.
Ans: 10 h 32 min
